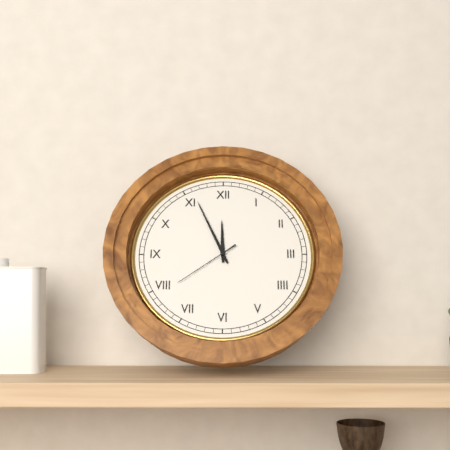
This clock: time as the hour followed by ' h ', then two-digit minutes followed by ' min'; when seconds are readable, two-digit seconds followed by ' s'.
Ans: 11 h 56 min 39 s
